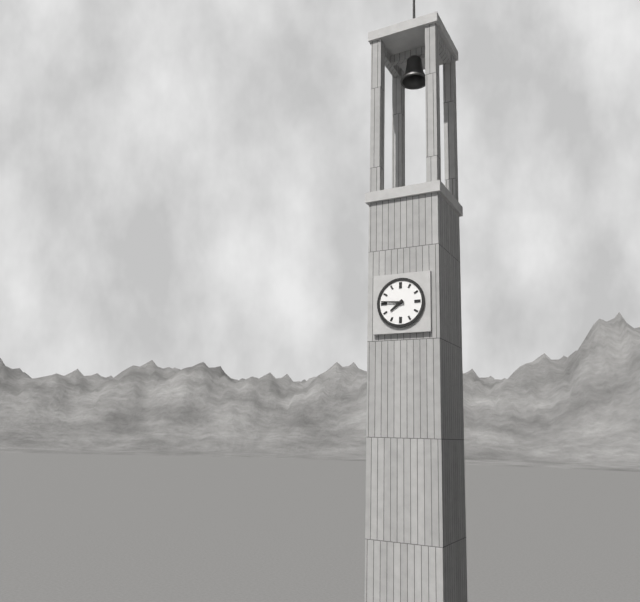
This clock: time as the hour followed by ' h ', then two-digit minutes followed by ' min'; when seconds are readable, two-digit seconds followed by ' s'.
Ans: 7 h 46 min
